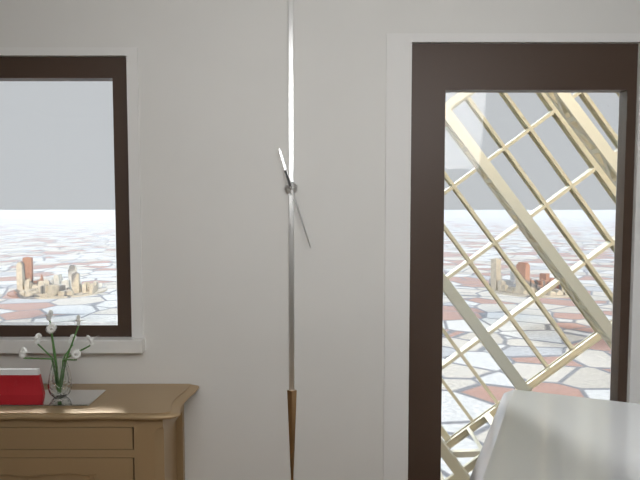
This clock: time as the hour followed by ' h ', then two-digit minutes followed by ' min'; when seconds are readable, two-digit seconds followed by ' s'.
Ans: 11 h 27 min
